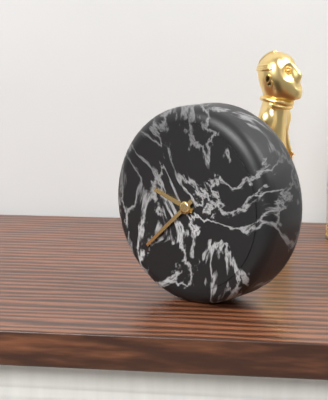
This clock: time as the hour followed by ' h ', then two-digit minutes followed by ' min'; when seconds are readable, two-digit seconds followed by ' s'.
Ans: 9 h 38 min
